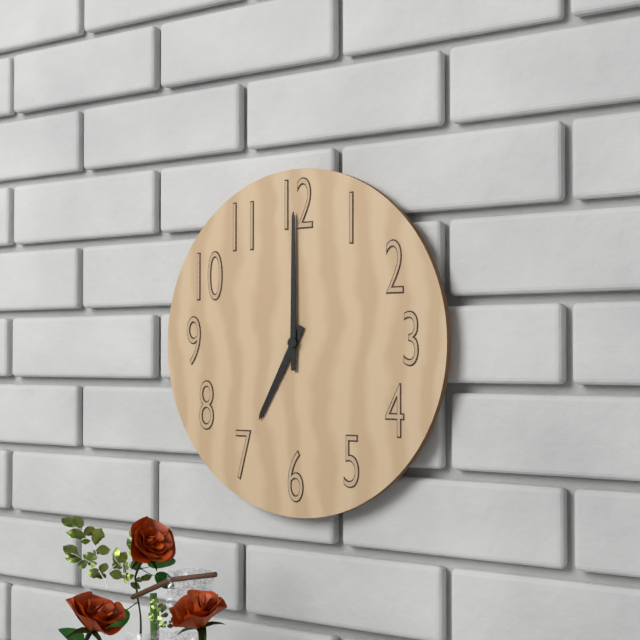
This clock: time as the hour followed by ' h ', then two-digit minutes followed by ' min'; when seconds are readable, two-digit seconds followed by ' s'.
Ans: 7 h 00 min
